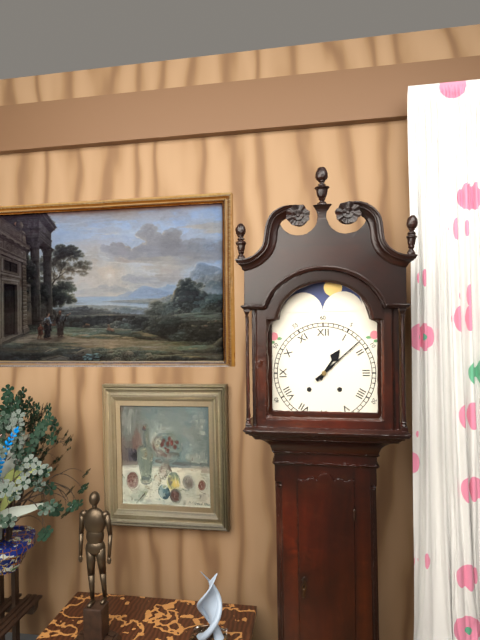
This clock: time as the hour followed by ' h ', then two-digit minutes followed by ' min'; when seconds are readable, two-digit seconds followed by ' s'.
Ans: 1 h 08 min
